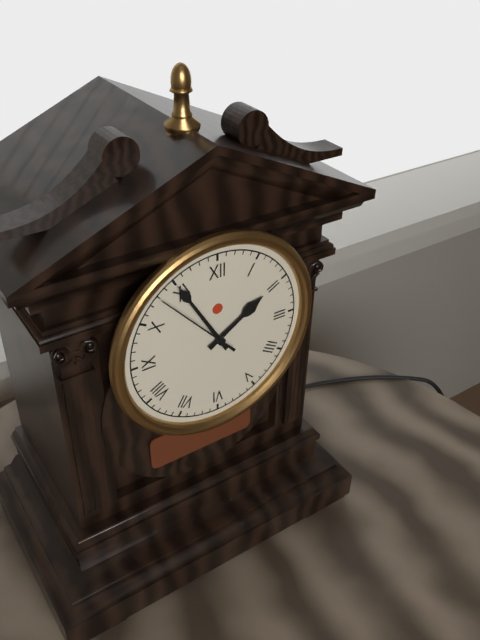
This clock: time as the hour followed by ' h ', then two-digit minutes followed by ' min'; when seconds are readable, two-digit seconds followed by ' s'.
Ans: 1 h 55 min 53 s
